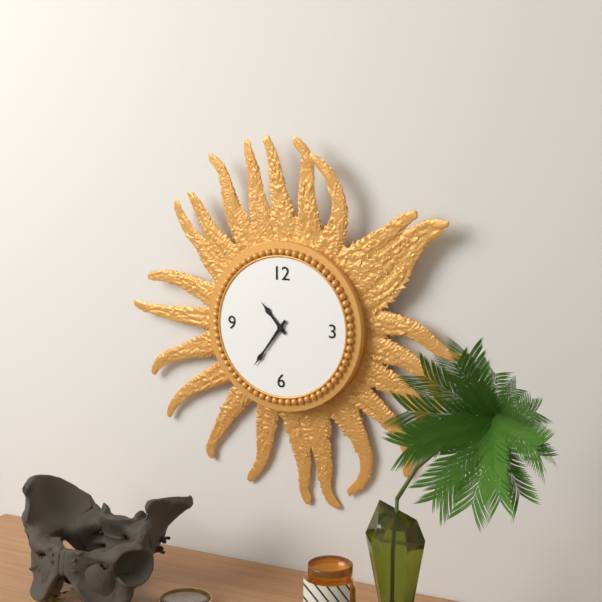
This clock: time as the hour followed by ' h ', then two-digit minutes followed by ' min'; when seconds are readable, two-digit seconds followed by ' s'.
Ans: 10 h 36 min
